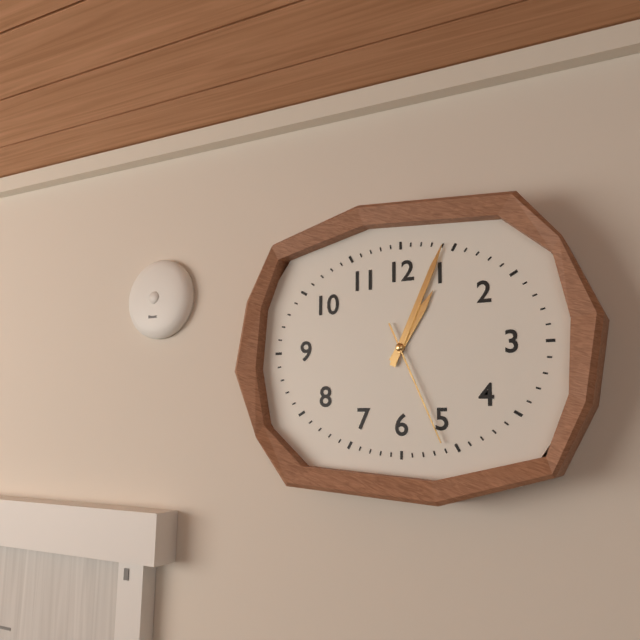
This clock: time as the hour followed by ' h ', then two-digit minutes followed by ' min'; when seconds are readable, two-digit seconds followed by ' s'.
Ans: 1 h 04 min 26 s
